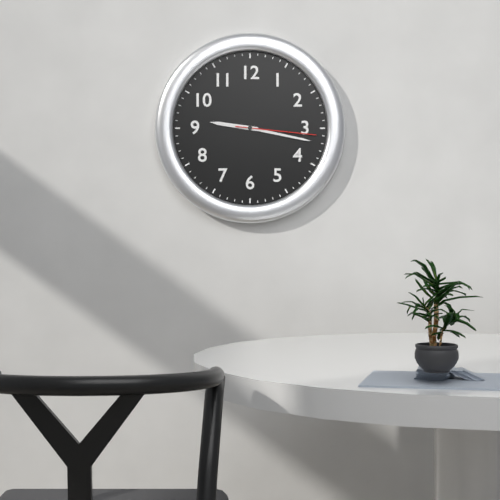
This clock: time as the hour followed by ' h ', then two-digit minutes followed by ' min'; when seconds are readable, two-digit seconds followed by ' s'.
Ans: 9 h 17 min 16 s
